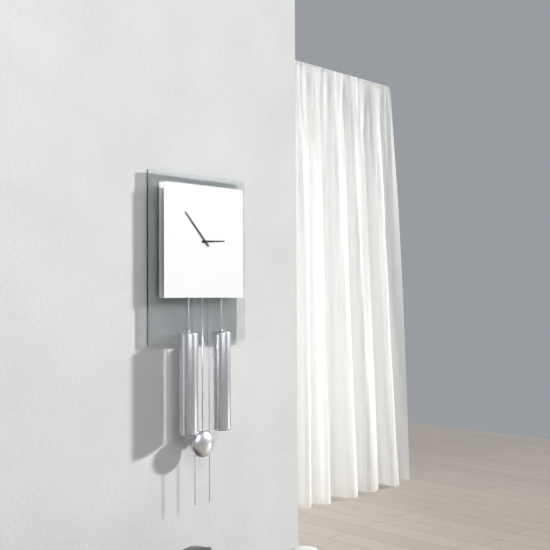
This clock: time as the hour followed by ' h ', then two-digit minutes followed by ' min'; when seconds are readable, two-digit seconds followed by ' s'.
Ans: 2 h 53 min
